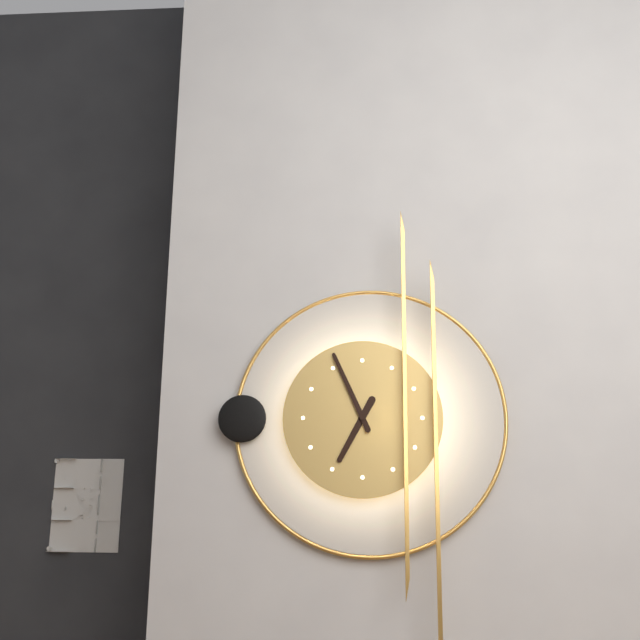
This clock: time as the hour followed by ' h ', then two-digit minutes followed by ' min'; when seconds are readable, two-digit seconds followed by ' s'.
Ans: 6 h 56 min
